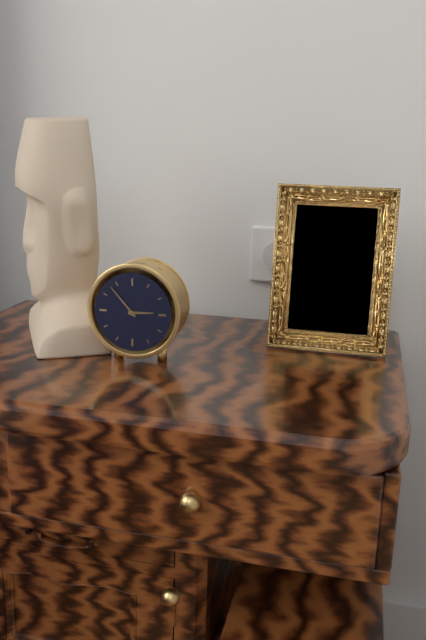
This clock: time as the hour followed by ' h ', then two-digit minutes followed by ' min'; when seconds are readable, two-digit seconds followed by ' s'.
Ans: 2 h 53 min
